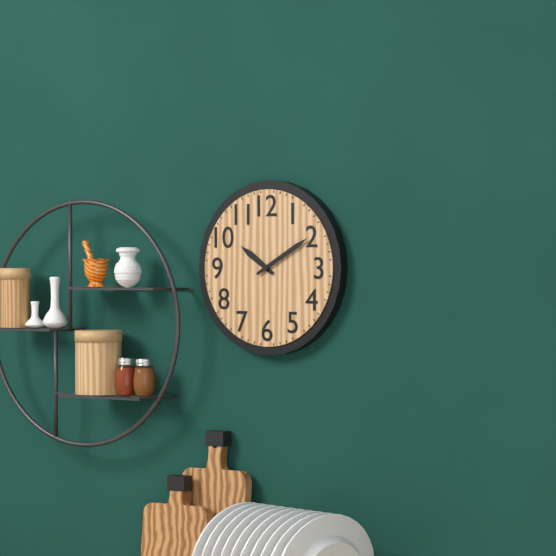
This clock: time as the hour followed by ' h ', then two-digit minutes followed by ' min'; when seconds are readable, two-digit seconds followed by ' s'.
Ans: 10 h 10 min
